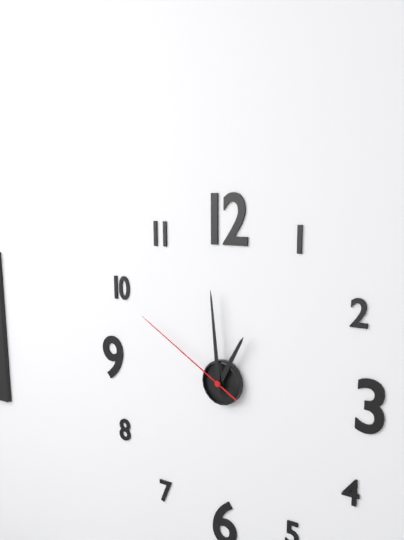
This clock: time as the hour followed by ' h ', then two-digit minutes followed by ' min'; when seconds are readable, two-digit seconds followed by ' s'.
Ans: 12 h 59 min 50 s
